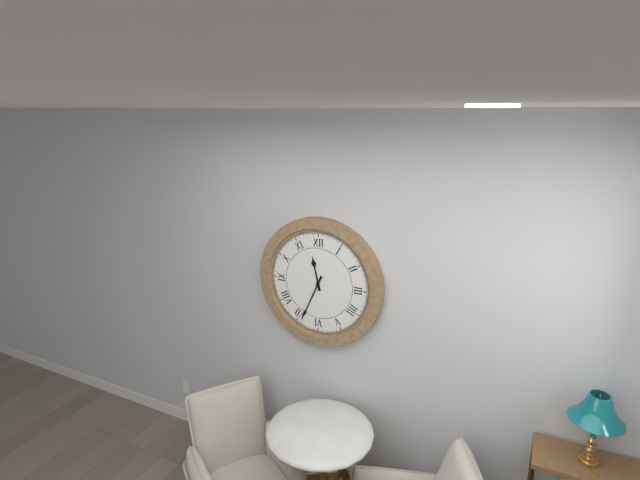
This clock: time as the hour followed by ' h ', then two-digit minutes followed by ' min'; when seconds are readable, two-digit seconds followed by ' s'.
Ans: 11 h 34 min
